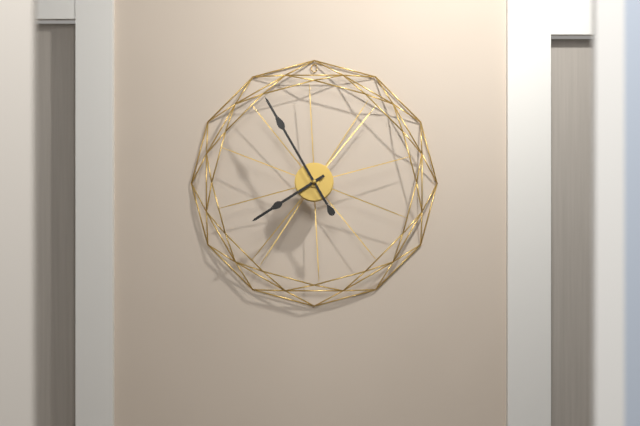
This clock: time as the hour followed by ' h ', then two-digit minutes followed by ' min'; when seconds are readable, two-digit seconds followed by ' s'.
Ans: 7 h 55 min
